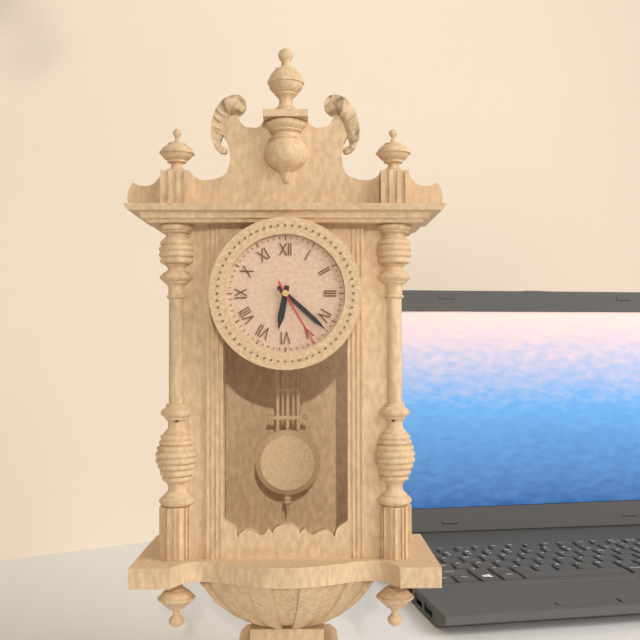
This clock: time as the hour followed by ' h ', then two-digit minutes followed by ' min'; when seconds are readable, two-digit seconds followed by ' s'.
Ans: 6 h 22 min 25 s
